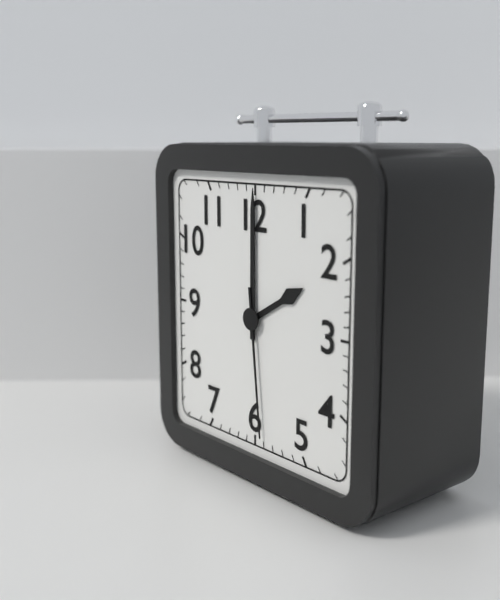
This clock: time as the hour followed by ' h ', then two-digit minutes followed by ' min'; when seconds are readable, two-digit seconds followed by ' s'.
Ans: 2 h 00 min 29 s
